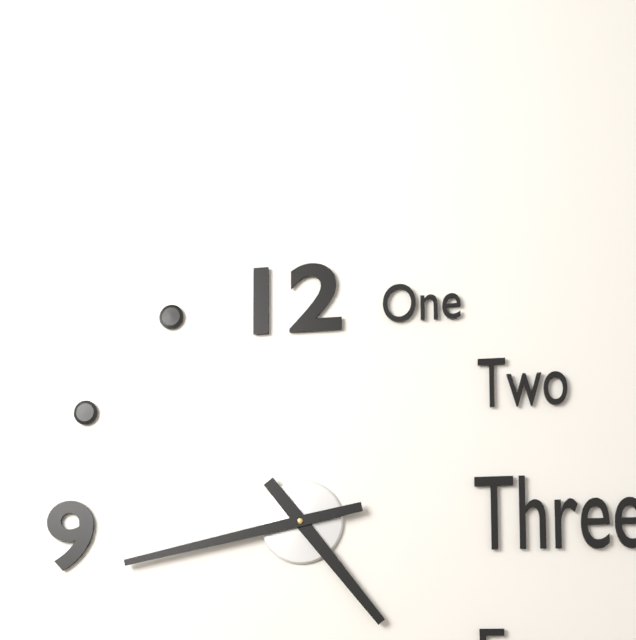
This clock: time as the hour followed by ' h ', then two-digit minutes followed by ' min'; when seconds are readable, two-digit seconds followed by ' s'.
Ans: 4 h 43 min
